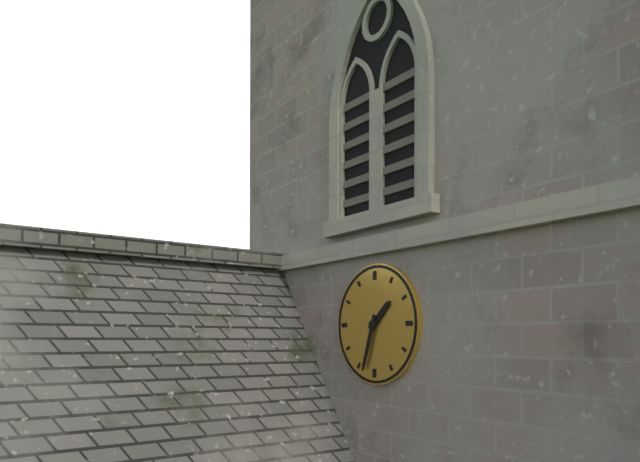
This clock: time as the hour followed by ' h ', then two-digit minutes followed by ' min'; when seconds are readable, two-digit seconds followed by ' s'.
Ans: 1 h 33 min
